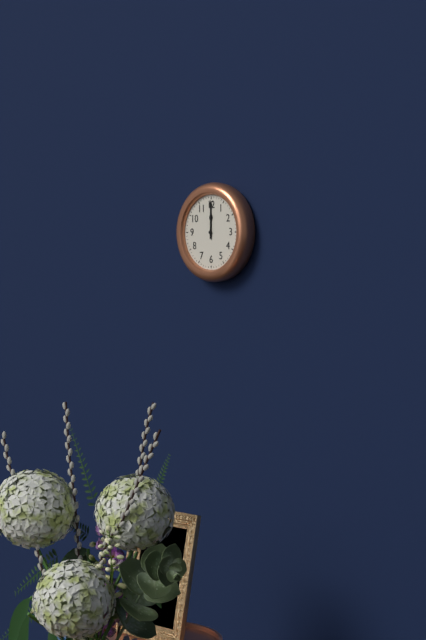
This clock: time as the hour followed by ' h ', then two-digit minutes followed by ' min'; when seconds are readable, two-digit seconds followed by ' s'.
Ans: 12 h 00 min
